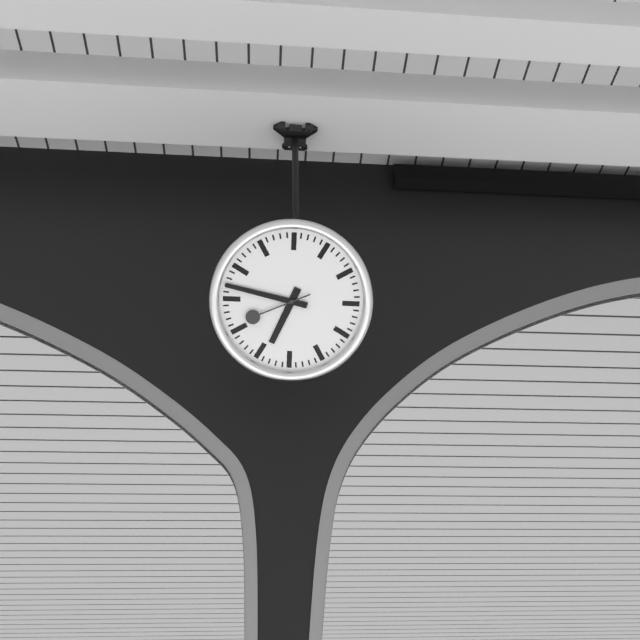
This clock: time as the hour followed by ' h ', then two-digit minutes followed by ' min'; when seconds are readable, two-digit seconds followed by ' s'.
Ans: 6 h 47 min 41 s
